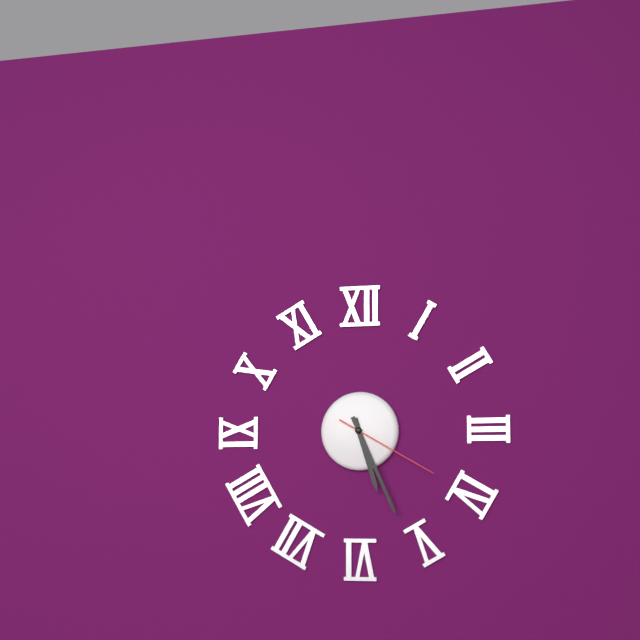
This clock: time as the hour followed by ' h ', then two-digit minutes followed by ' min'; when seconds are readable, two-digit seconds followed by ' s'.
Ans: 5 h 26 min 20 s
